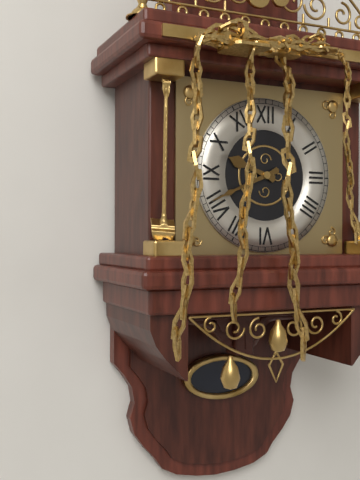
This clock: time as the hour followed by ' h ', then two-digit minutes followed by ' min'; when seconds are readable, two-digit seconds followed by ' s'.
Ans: 9 h 41 min
